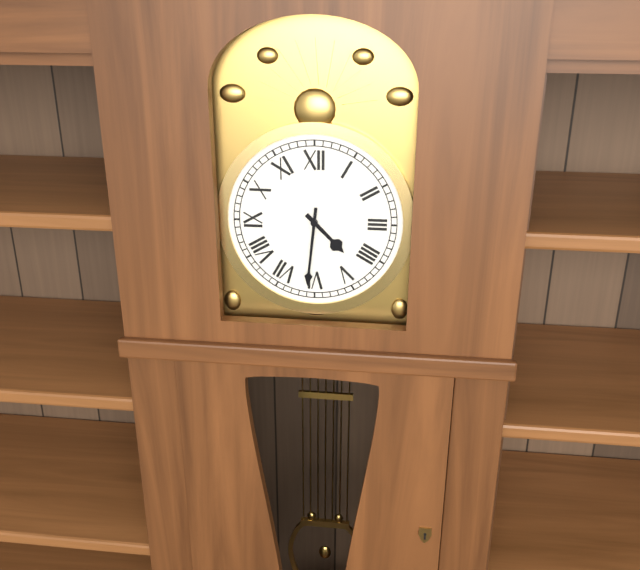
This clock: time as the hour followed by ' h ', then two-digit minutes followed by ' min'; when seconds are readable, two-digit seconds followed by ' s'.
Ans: 4 h 31 min
